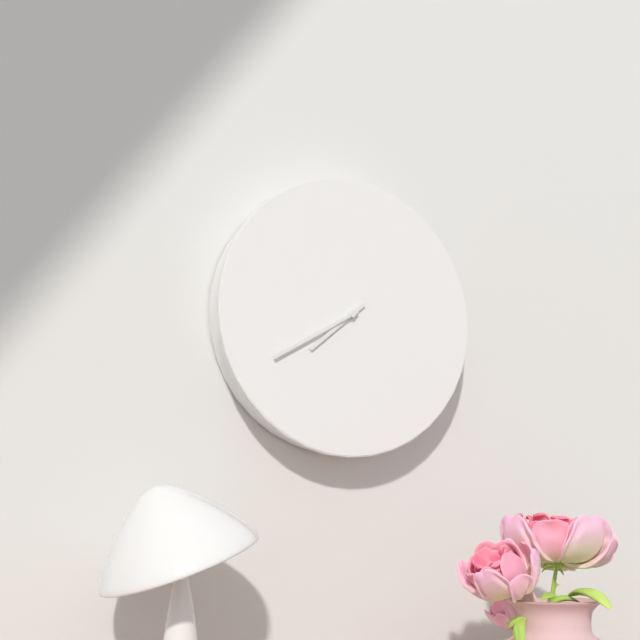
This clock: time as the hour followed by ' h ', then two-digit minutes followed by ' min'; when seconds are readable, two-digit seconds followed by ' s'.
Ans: 7 h 40 min
